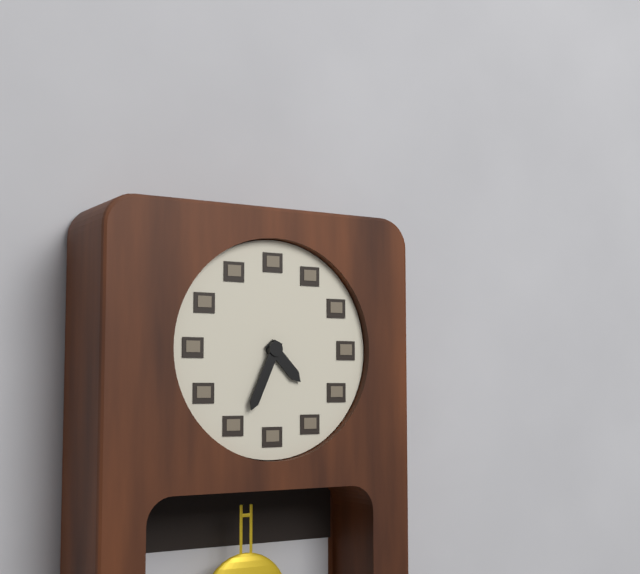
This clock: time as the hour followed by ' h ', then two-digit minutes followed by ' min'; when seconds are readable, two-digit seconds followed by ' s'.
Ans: 4 h 34 min
